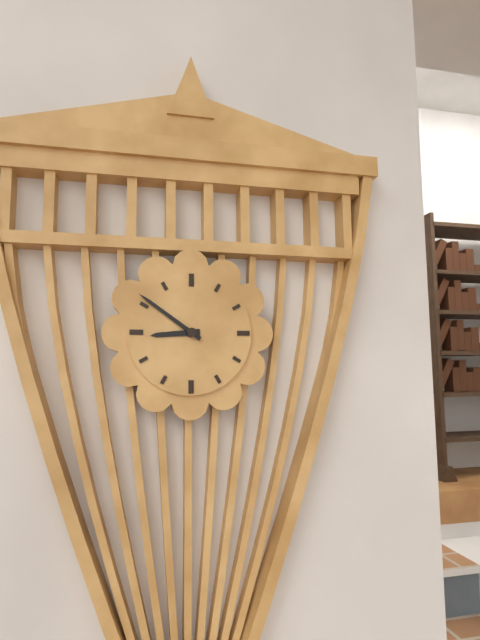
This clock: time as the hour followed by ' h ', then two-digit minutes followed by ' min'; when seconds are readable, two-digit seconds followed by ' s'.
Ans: 8 h 51 min
